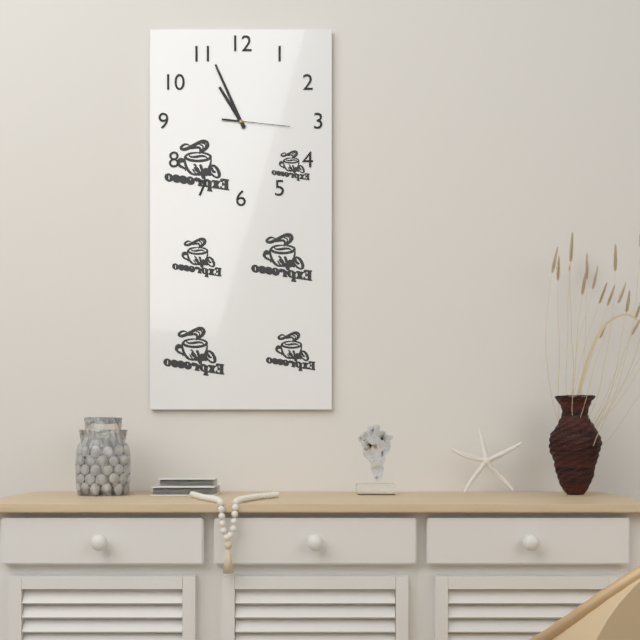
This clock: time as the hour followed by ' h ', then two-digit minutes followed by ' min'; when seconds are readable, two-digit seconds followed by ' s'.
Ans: 10 h 56 min 16 s
